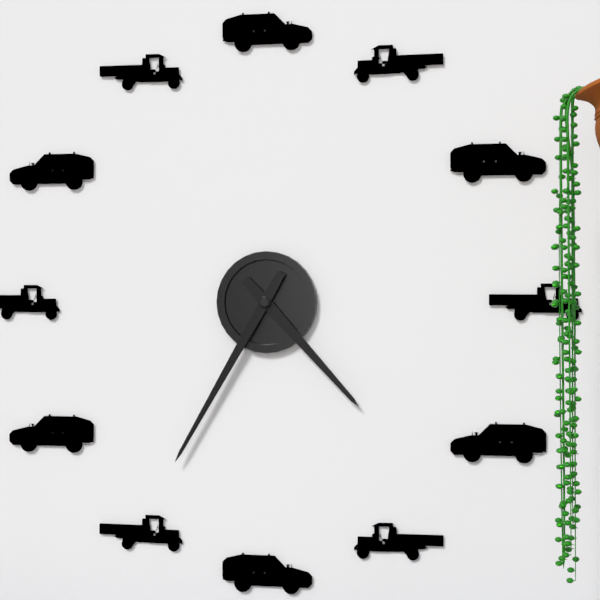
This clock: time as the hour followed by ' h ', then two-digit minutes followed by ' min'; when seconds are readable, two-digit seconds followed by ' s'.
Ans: 4 h 35 min
